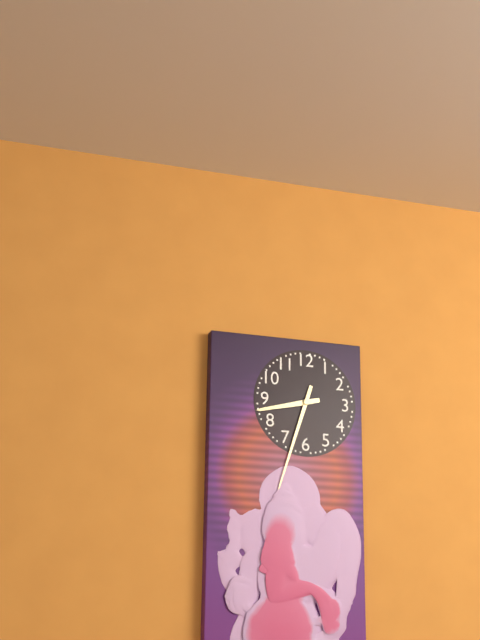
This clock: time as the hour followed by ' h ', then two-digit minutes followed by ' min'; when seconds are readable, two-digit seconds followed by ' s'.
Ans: 8 h 33 min
